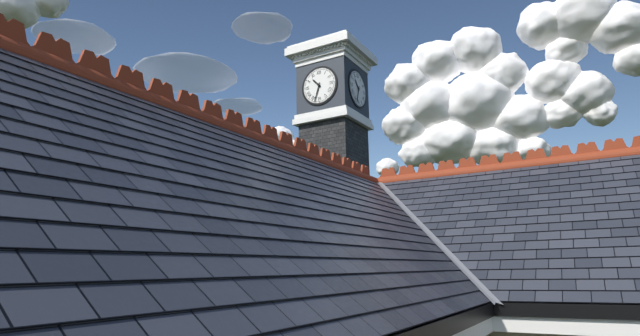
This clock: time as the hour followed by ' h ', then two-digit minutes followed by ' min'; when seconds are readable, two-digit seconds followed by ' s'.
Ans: 10 h 33 min
